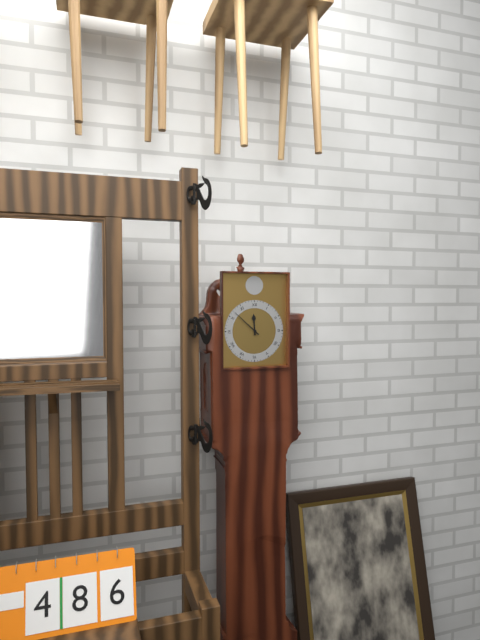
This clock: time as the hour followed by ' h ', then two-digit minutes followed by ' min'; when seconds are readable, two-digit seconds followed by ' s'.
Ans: 11 h 52 min
